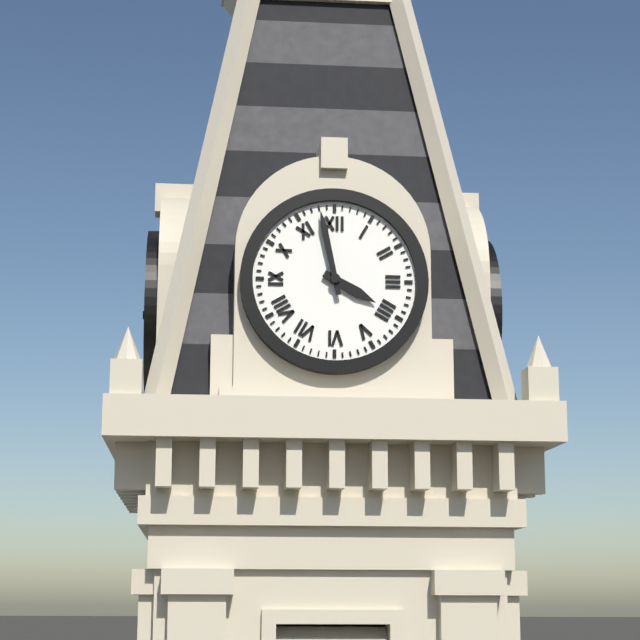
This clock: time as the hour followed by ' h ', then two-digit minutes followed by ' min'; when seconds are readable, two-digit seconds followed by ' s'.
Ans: 3 h 58 min
